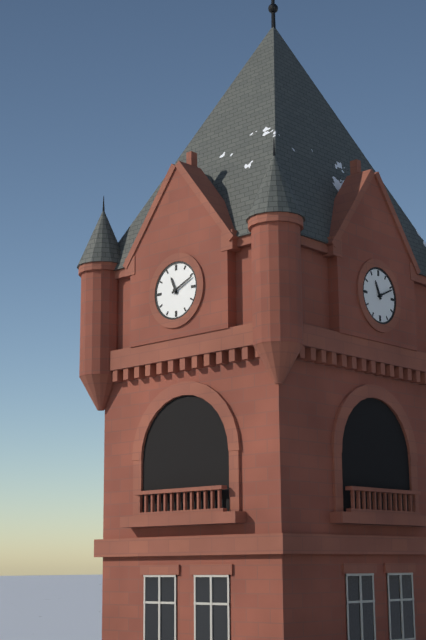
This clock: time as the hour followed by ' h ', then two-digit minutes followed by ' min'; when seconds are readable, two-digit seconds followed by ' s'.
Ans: 11 h 11 min
